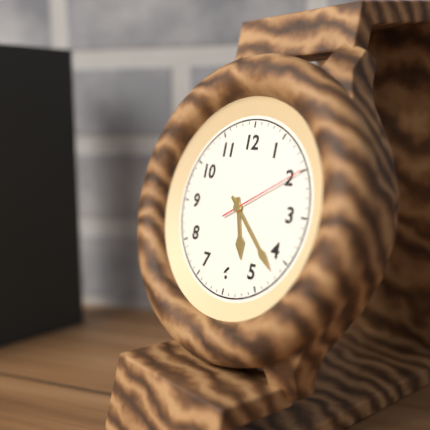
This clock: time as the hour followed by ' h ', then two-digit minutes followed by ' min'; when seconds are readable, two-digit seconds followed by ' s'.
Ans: 5 h 22 min 10 s
